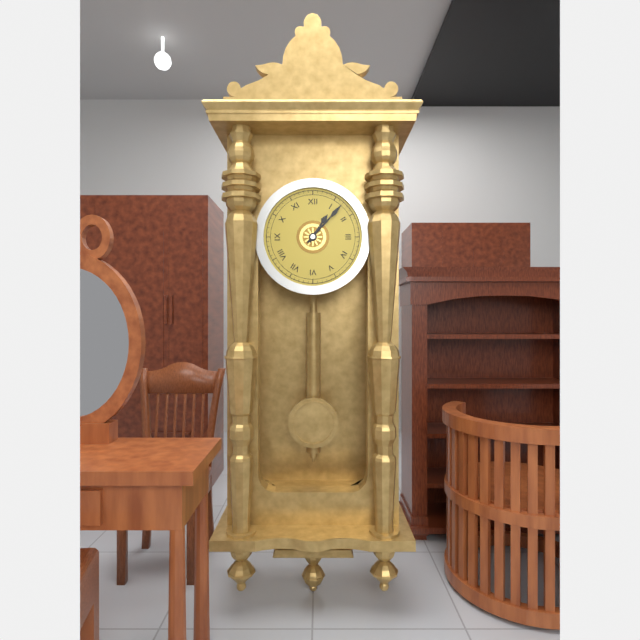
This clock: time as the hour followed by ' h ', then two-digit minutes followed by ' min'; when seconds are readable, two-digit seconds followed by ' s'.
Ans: 1 h 07 min
